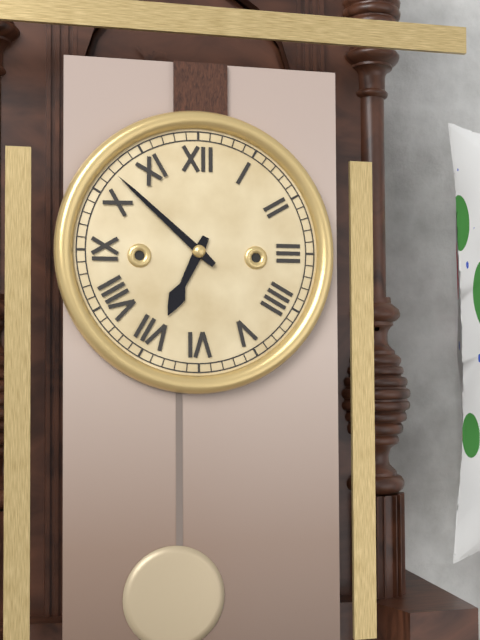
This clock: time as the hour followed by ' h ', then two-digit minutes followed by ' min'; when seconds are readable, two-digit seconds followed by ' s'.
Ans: 6 h 52 min
